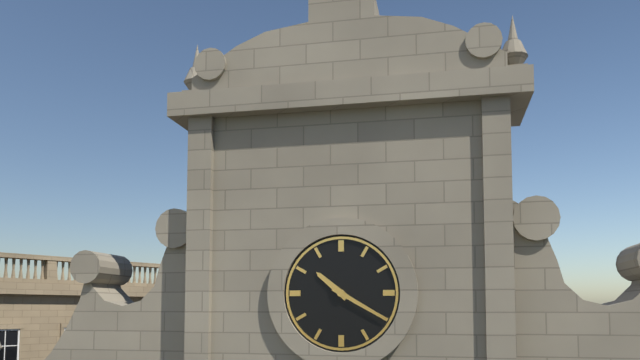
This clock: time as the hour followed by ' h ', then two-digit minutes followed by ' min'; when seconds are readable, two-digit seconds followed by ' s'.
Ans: 10 h 20 min
